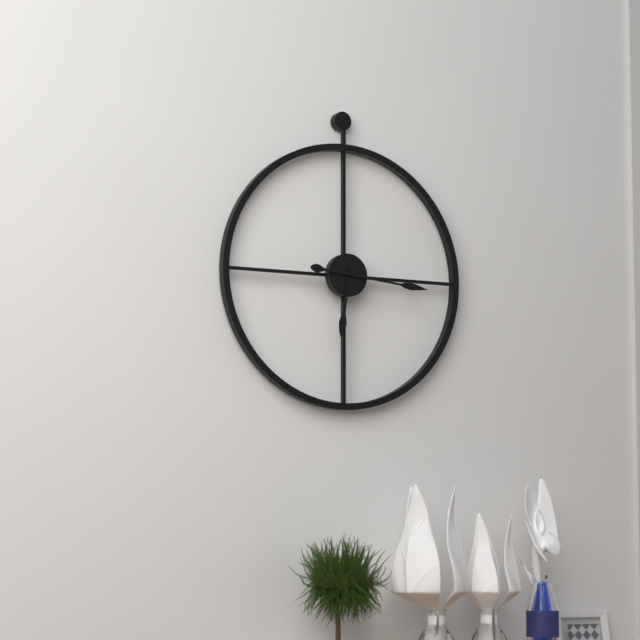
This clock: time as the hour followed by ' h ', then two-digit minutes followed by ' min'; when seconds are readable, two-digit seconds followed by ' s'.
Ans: 6 h 16 min
